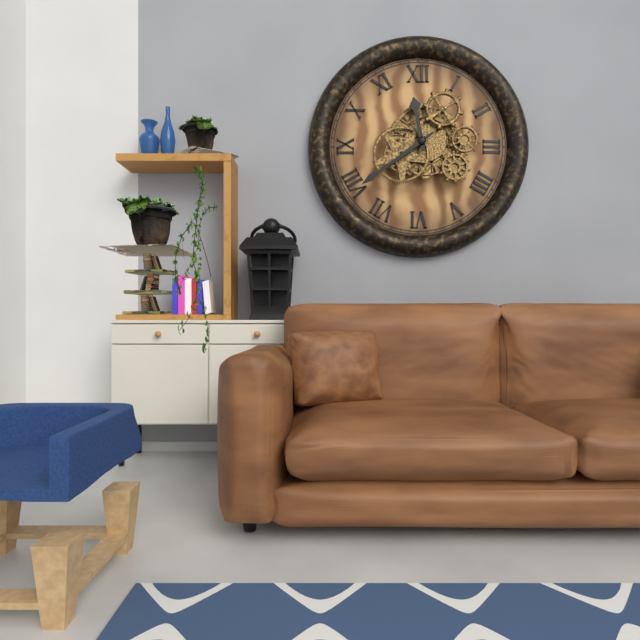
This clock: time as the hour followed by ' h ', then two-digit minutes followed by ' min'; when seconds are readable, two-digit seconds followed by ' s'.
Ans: 11 h 39 min
